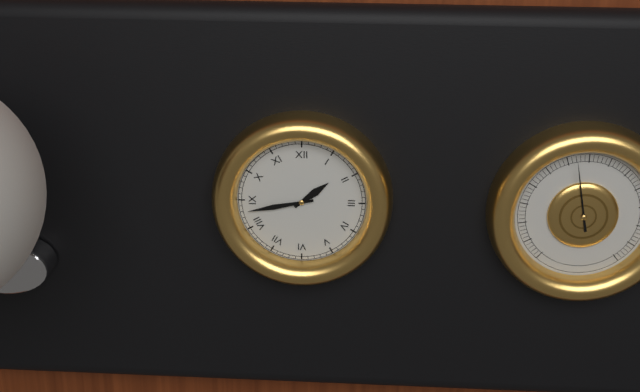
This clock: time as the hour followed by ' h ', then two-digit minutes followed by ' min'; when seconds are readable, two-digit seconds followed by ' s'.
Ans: 1 h 43 min
